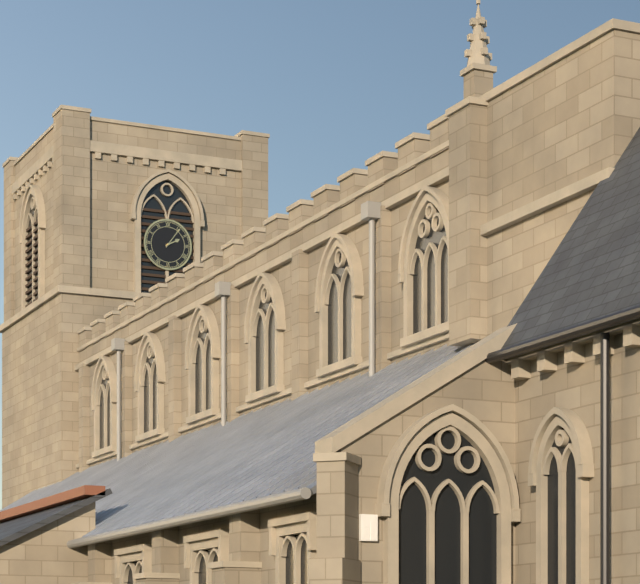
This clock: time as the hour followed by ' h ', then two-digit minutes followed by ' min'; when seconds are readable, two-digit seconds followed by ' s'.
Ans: 2 h 06 min
